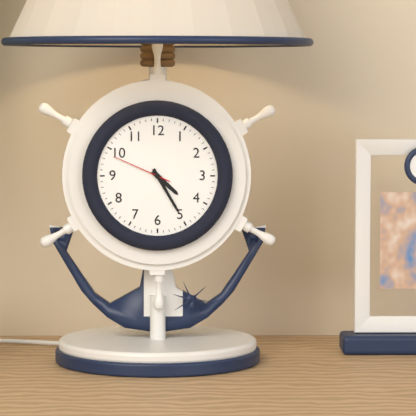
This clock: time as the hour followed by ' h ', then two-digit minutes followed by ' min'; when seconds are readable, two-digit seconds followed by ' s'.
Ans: 4 h 25 min 49 s
